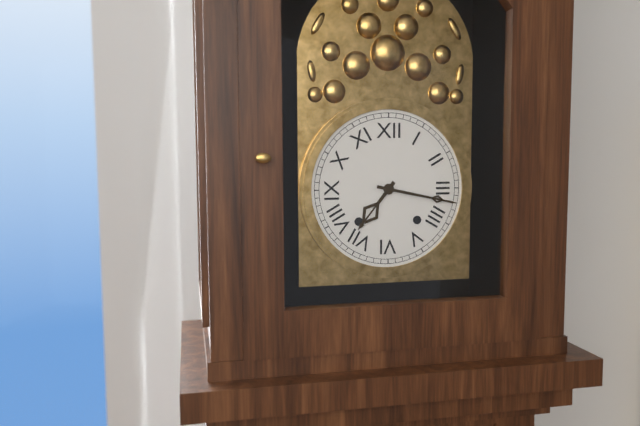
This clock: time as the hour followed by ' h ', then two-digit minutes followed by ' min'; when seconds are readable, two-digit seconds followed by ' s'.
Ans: 7 h 17 min
